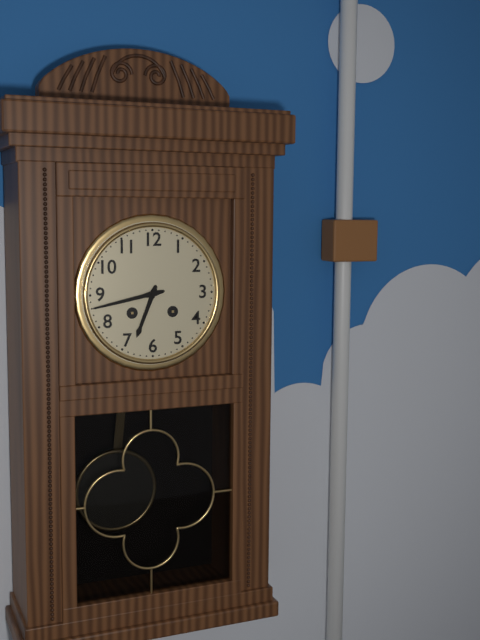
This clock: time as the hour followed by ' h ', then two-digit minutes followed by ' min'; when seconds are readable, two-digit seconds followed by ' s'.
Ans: 6 h 43 min
